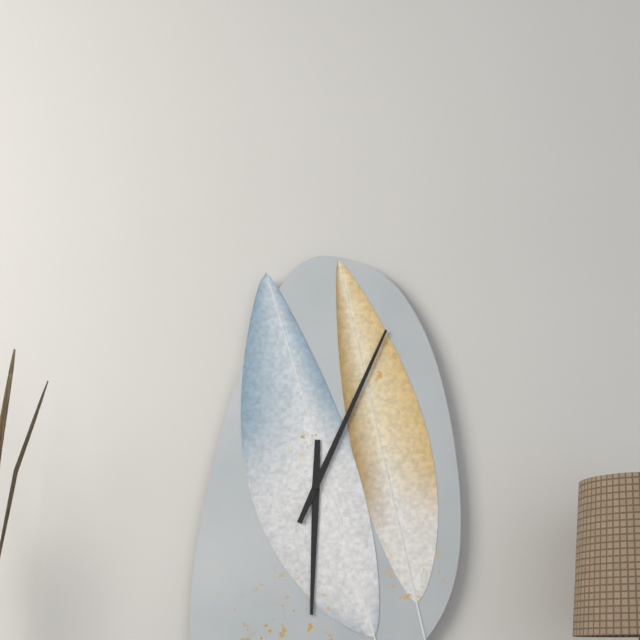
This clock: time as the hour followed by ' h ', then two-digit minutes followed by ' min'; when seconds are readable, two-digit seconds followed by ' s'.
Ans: 6 h 04 min
